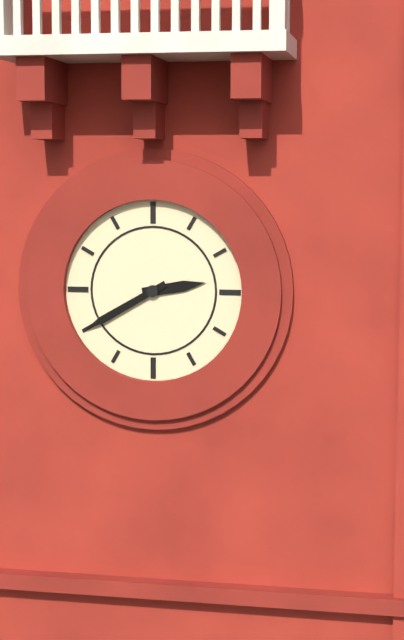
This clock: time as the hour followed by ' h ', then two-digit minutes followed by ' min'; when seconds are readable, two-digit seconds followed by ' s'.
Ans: 2 h 40 min
